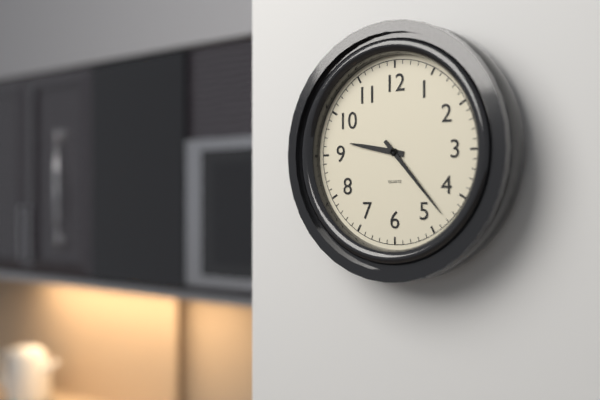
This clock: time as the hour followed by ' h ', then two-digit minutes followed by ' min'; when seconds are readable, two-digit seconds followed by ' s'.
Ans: 9 h 23 min
